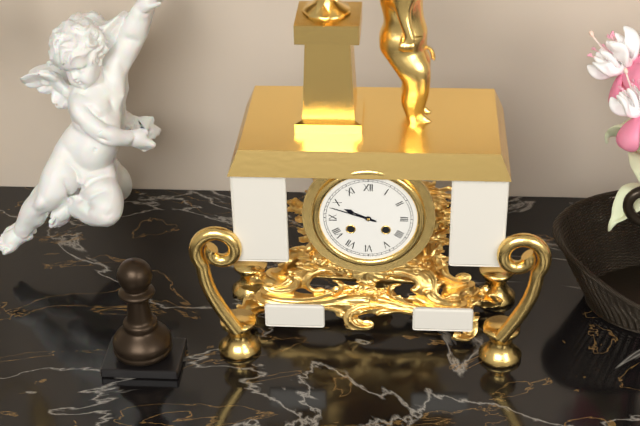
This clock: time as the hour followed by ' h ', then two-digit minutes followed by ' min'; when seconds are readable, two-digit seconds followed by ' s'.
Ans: 9 h 48 min
